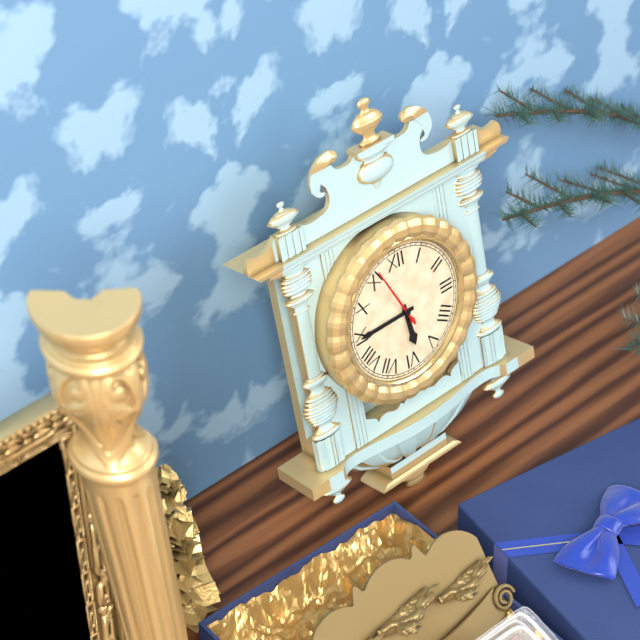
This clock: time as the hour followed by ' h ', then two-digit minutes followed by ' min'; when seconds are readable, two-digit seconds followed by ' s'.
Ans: 5 h 45 min 56 s
